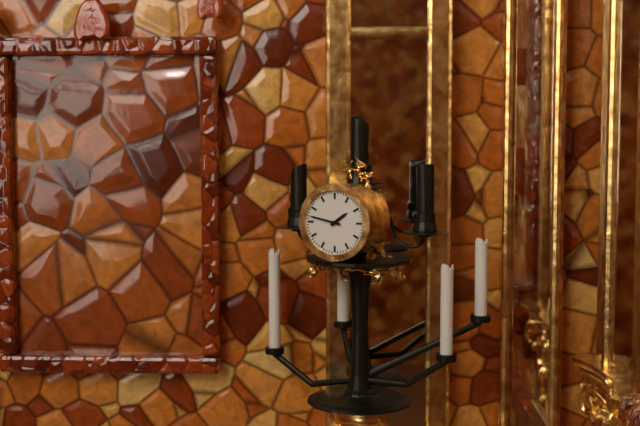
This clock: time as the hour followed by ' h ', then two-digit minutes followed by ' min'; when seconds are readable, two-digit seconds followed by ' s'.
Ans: 1 h 47 min
